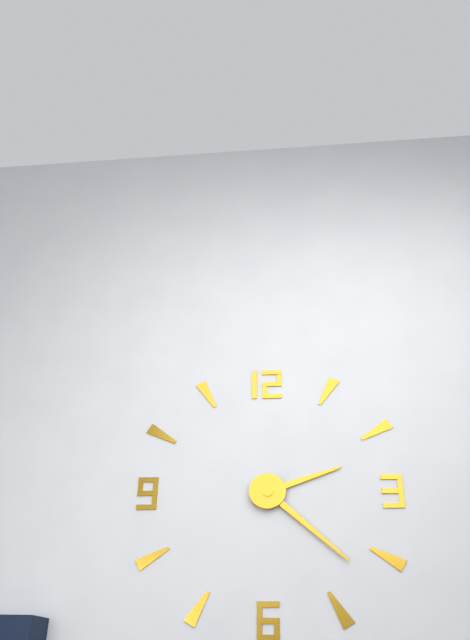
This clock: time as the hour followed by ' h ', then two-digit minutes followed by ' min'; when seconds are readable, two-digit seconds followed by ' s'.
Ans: 2 h 22 min
